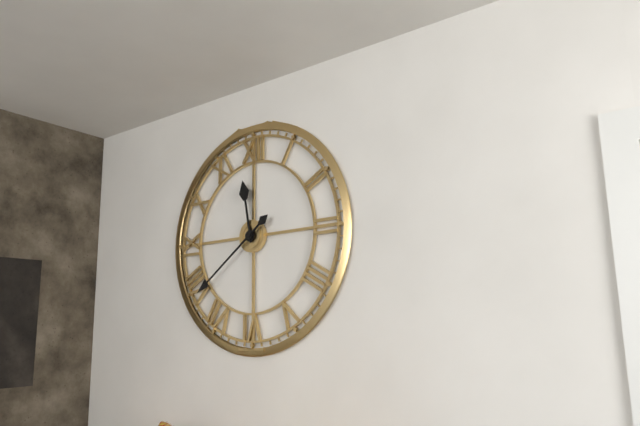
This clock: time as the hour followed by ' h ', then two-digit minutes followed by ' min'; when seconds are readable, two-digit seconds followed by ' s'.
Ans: 11 h 39 min
